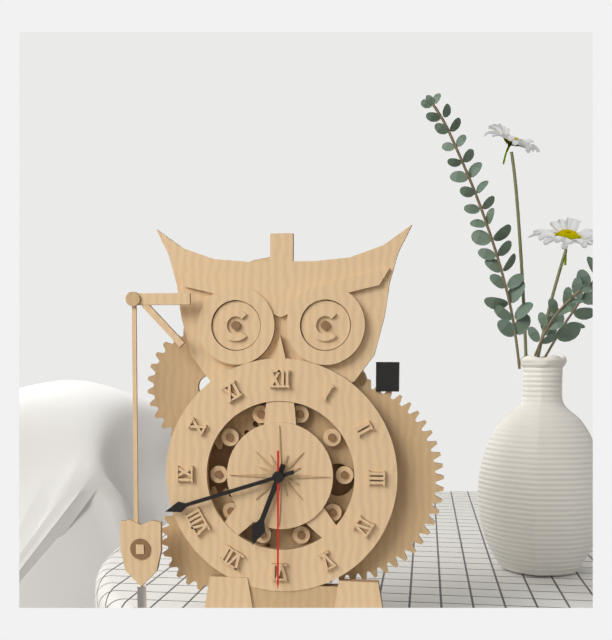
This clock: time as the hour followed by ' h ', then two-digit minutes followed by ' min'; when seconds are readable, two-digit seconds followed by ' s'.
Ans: 6 h 42 min 30 s
